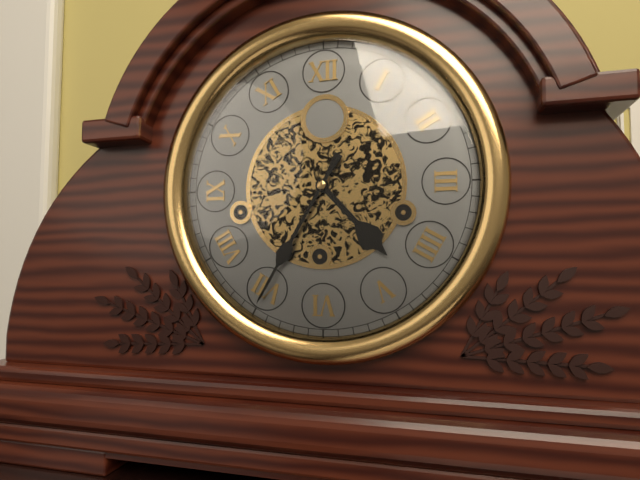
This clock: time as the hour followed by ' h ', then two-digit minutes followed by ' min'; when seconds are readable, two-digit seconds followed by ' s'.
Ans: 4 h 35 min
